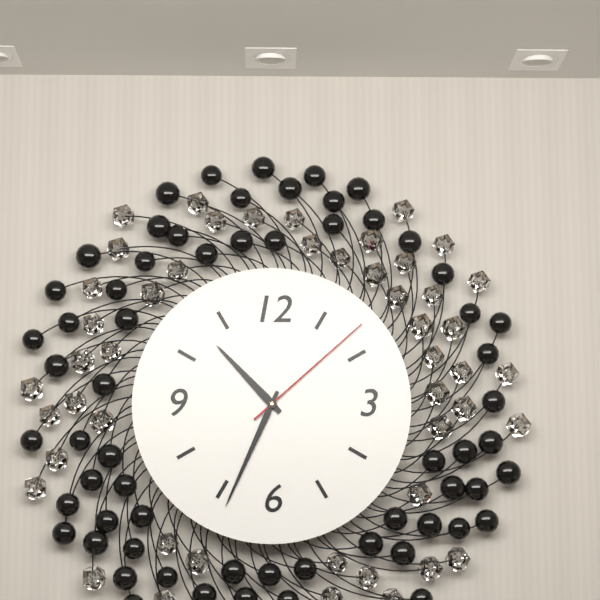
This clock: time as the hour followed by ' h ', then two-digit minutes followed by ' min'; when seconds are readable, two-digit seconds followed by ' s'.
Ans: 10 h 34 min 08 s
